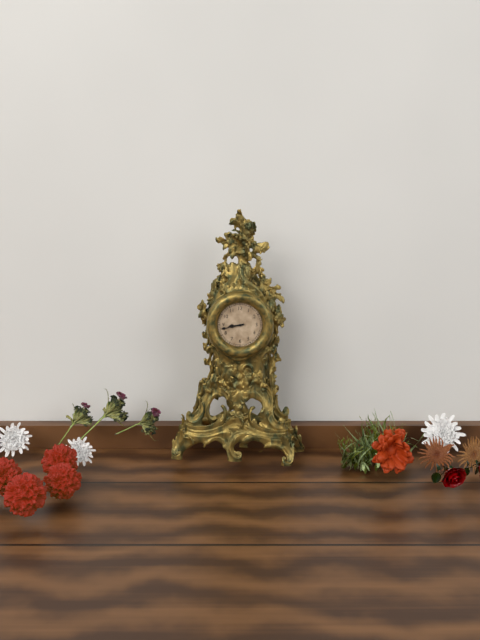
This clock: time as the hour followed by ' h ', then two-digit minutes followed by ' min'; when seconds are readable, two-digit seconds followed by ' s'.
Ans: 8 h 43 min
